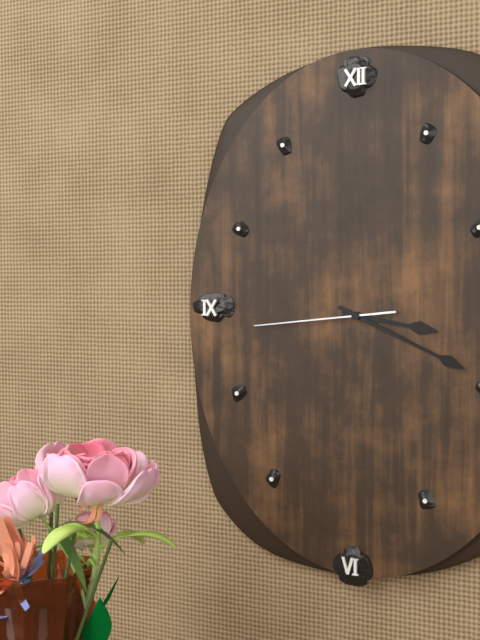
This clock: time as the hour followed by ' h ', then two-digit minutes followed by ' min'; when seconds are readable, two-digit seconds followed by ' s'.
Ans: 3 h 19 min 44 s
